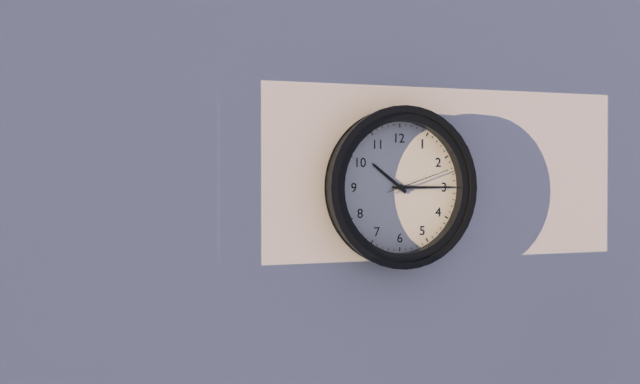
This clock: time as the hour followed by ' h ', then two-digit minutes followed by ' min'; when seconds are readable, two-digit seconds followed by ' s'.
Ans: 10 h 15 min 12 s
